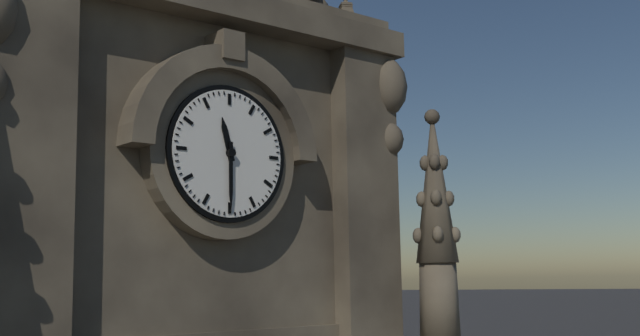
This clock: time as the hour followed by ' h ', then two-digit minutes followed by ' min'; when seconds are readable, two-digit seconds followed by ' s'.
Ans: 11 h 30 min
